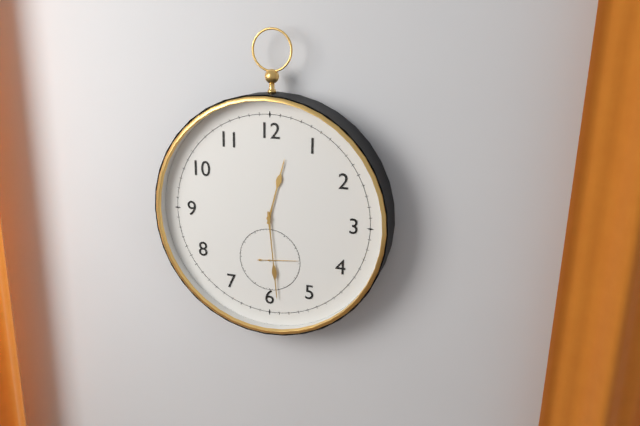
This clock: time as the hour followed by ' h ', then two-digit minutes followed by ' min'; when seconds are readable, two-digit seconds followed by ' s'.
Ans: 12 h 29 min
